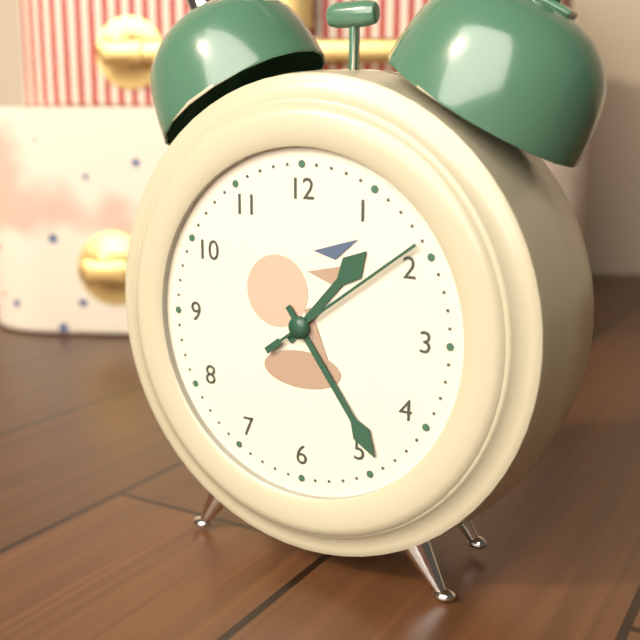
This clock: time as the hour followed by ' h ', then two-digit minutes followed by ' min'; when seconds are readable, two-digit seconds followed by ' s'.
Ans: 1 h 24 min 09 s
